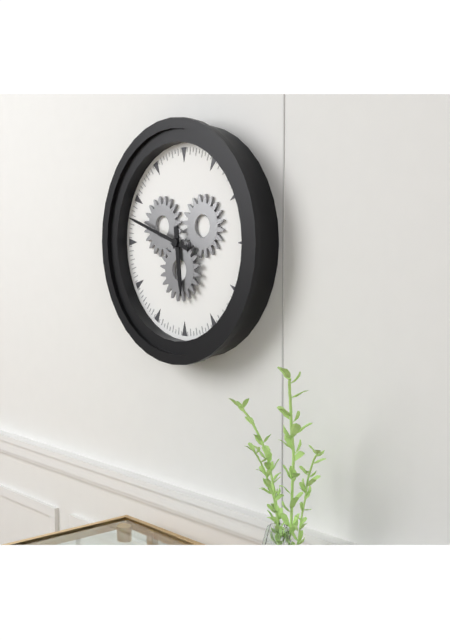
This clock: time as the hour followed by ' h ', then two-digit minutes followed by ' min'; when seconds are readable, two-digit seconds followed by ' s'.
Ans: 5 h 48 min
